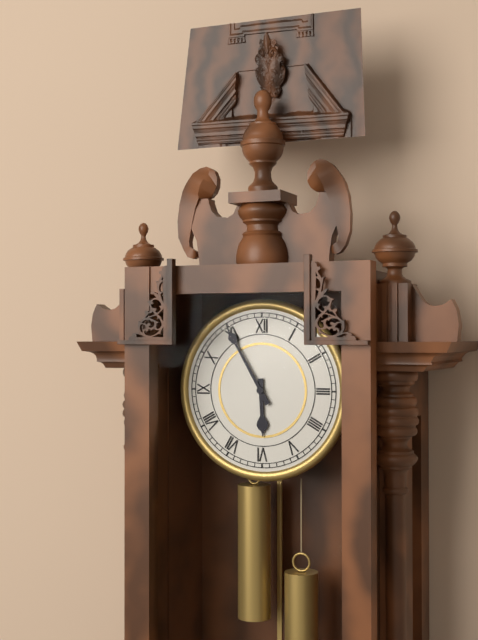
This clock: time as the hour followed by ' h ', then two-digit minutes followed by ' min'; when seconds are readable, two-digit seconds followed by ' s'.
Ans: 5 h 55 min
